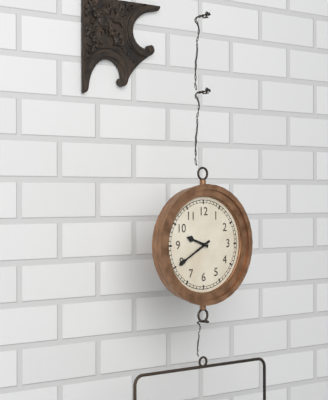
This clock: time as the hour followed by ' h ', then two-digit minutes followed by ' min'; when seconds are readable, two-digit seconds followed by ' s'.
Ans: 9 h 40 min
